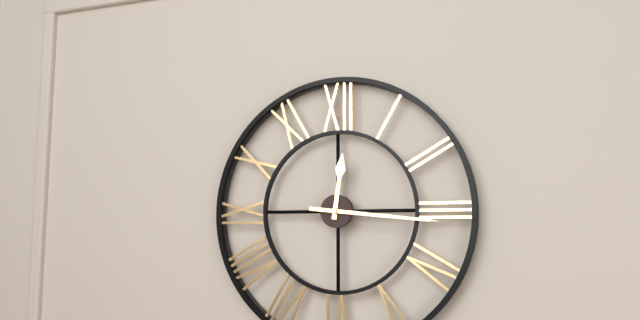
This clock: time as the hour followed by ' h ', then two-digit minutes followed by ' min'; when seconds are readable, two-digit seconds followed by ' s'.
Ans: 12 h 16 min
